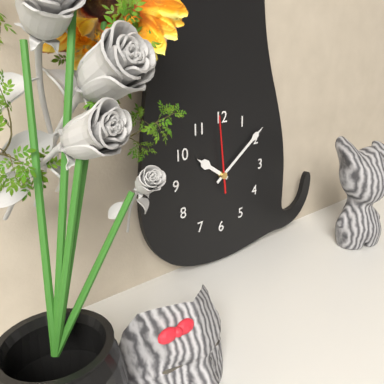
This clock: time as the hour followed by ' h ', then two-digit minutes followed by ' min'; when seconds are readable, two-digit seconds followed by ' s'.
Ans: 10 h 09 min 59 s
